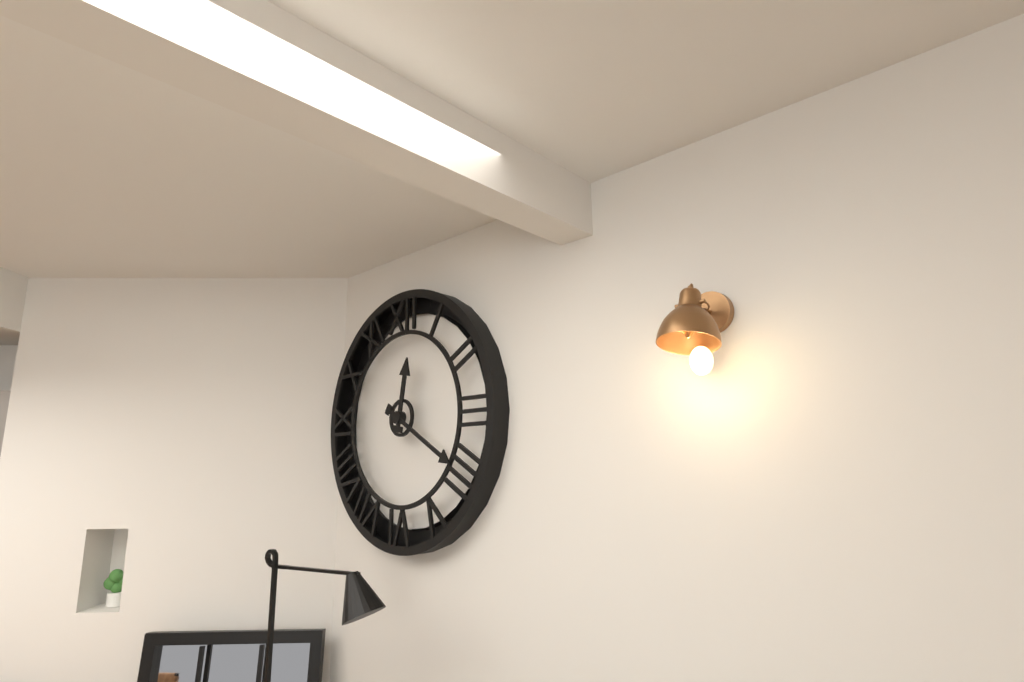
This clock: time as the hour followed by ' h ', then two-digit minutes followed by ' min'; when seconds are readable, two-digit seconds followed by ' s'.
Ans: 12 h 20 min
